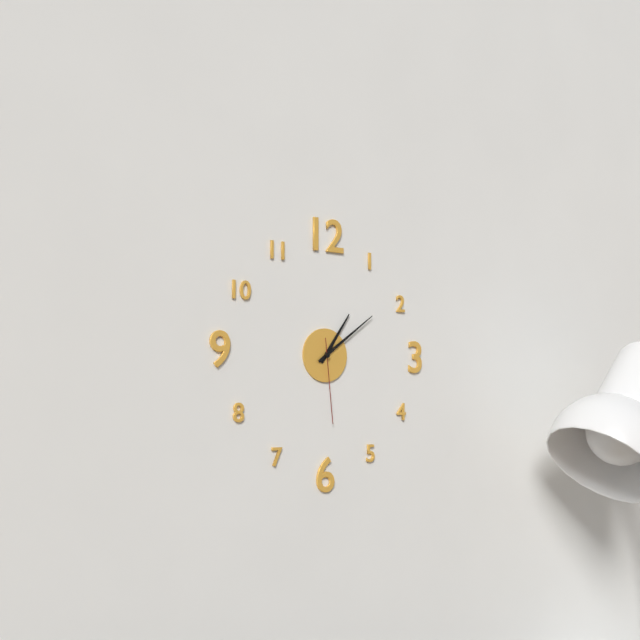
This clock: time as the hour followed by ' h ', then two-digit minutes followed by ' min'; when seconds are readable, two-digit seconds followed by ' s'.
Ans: 1 h 09 min 29 s
